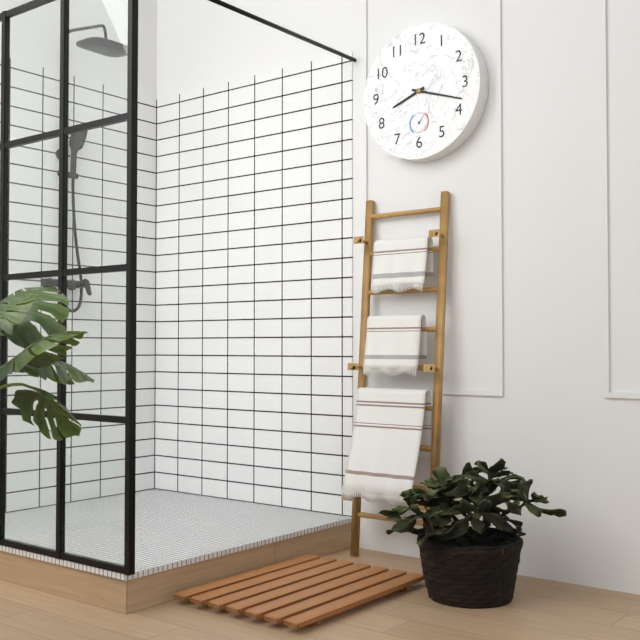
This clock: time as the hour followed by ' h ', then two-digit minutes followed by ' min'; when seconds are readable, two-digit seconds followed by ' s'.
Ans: 8 h 18 min
